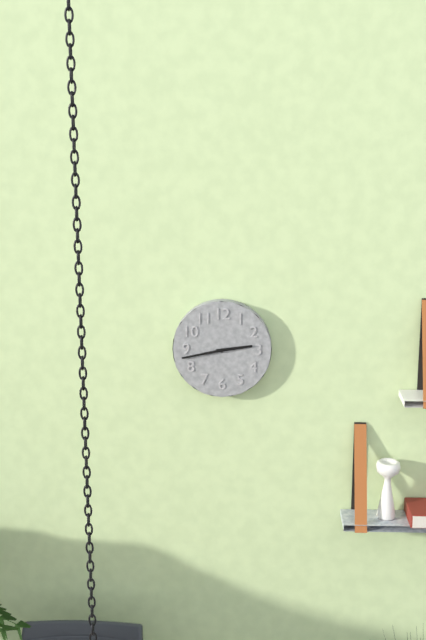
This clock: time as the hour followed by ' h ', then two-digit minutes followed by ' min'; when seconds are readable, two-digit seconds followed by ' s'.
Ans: 2 h 43 min
